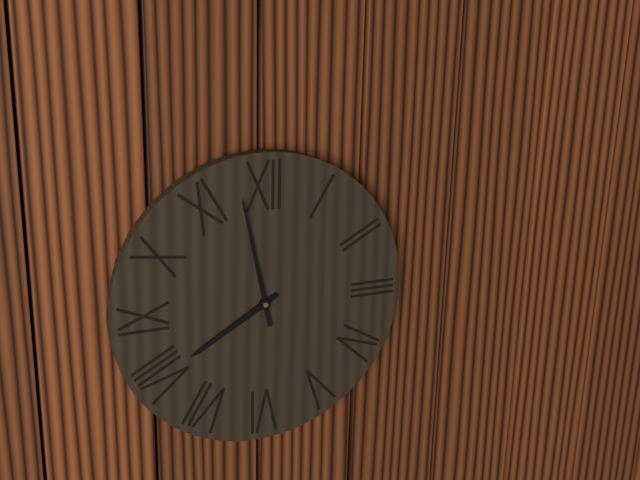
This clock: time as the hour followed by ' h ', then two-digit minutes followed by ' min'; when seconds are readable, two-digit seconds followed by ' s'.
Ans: 7 h 58 min
